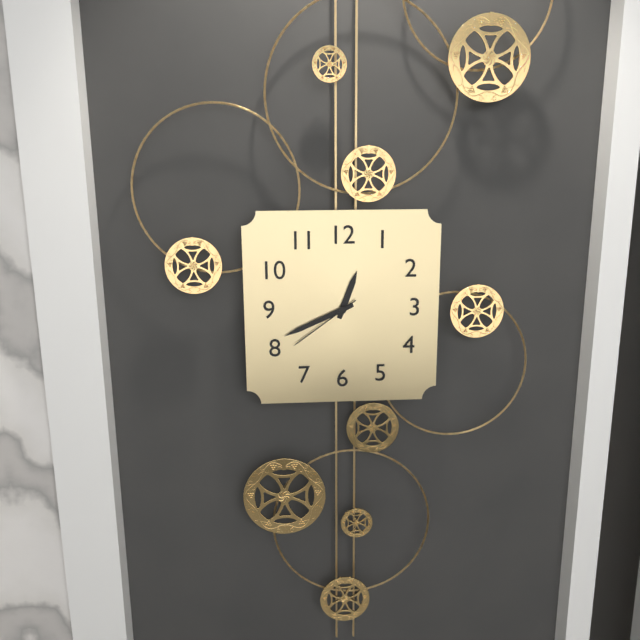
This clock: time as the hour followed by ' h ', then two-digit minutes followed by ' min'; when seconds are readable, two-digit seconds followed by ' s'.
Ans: 12 h 41 min 39 s
